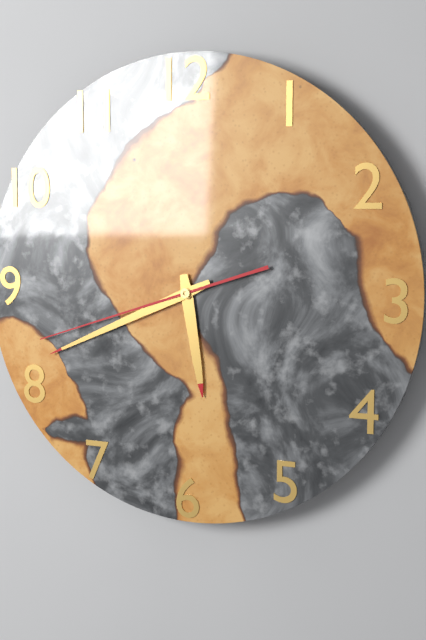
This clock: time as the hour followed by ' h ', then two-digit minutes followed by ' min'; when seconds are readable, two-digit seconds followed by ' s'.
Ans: 5 h 41 min 42 s
